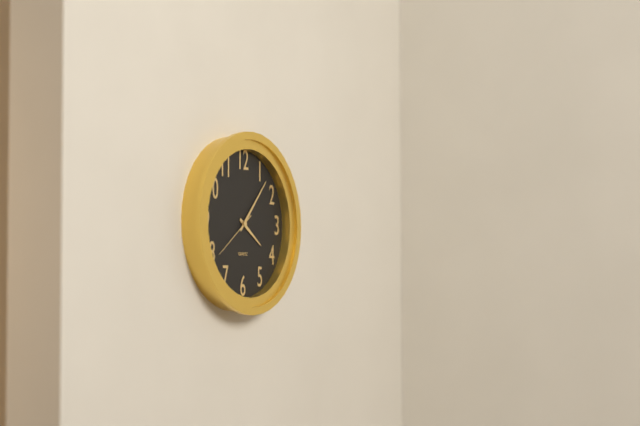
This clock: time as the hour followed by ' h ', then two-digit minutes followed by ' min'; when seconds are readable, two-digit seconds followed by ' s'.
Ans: 4 h 07 min
